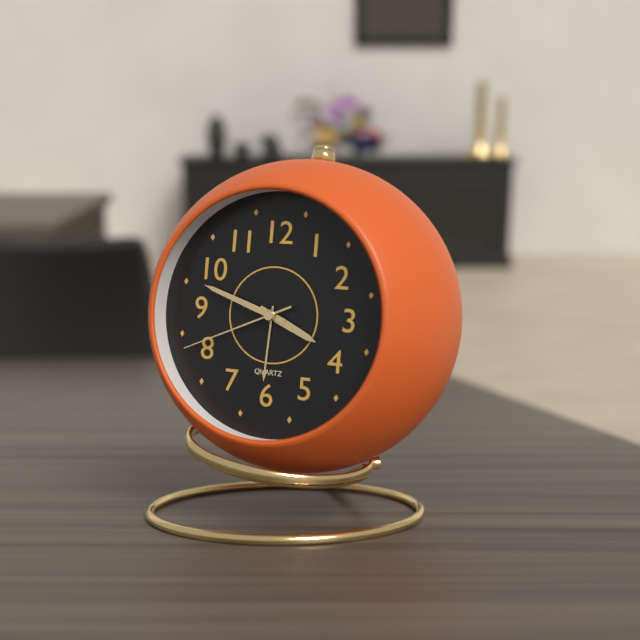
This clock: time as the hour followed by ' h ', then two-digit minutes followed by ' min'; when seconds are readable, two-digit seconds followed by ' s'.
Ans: 3 h 48 min 41 s
